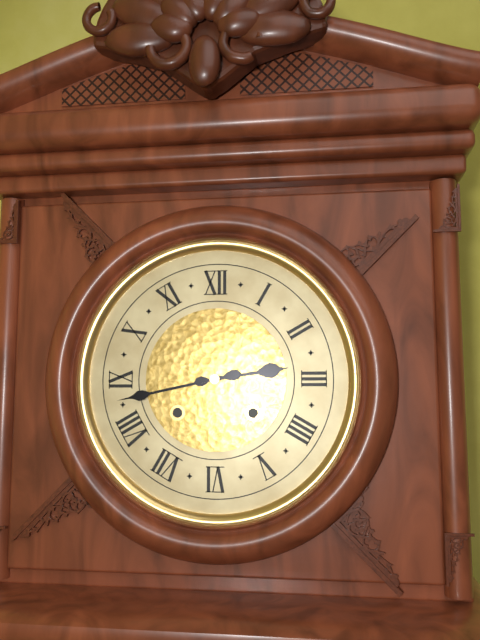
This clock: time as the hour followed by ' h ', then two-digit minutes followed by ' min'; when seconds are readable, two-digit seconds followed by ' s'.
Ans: 2 h 43 min
